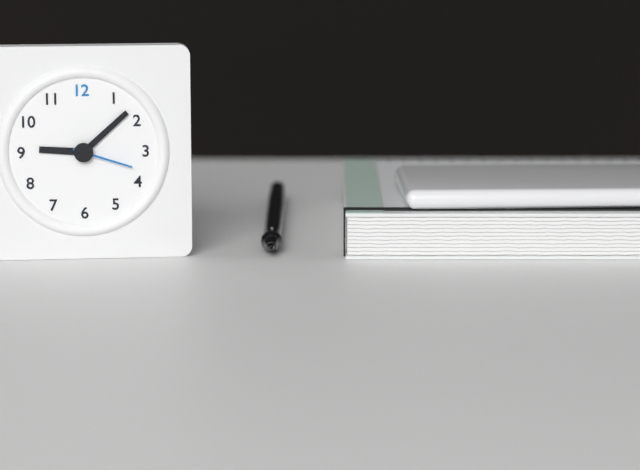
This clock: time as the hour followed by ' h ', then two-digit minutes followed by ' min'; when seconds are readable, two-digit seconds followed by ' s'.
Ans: 9 h 08 min 18 s
